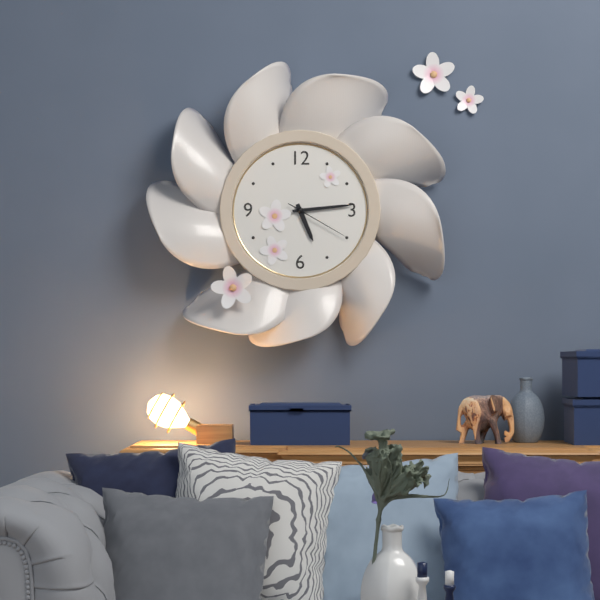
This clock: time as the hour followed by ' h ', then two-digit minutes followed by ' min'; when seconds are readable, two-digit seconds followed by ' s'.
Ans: 5 h 14 min 20 s
